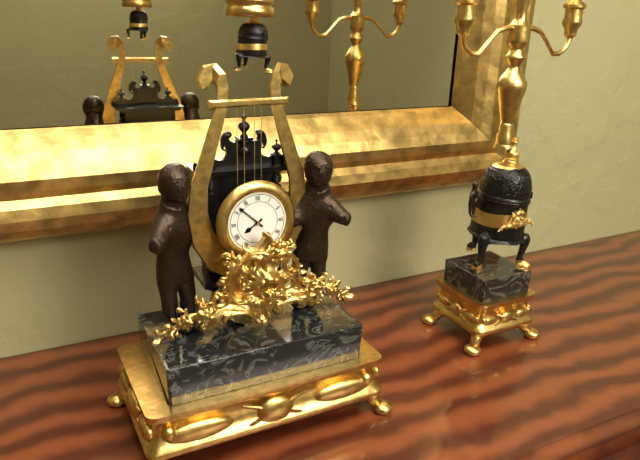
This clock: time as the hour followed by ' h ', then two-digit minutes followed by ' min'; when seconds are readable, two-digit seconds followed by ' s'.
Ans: 7 h 52 min
